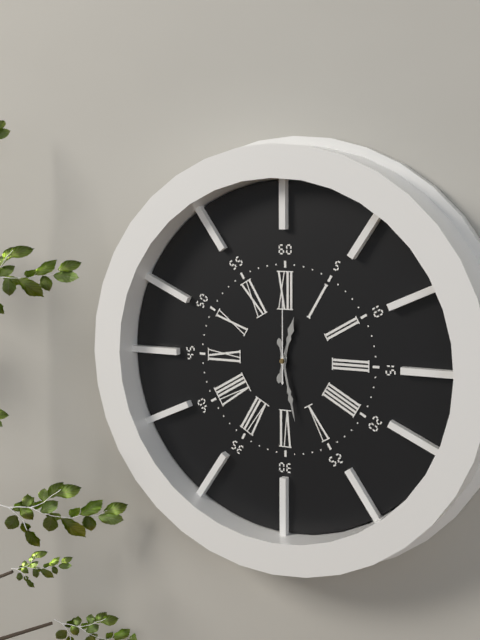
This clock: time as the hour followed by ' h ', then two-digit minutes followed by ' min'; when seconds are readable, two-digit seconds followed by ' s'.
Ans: 12 h 28 min 00 s
